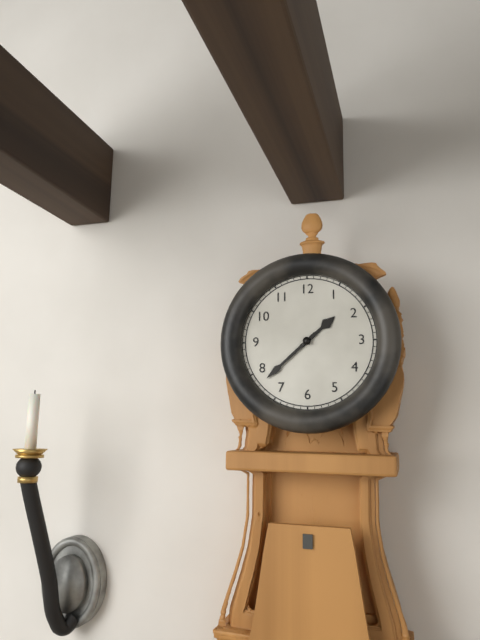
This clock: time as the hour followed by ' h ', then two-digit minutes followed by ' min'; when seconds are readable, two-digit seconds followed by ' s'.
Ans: 1 h 38 min
